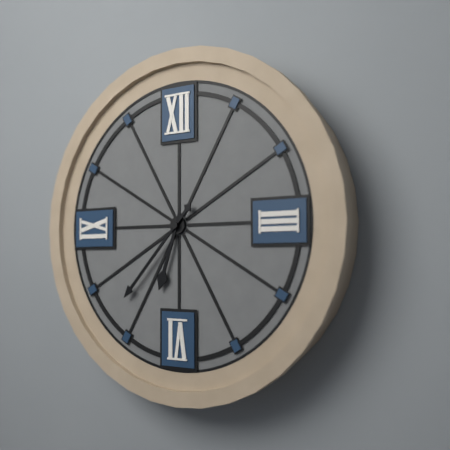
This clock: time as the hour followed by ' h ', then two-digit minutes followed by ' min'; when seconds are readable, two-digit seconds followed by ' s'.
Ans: 6 h 37 min
